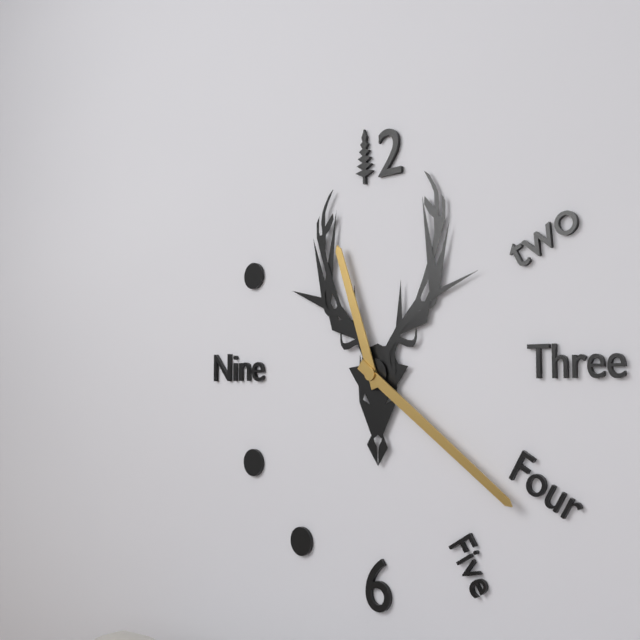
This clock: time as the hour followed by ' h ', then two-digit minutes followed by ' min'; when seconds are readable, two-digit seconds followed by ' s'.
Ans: 11 h 21 min
